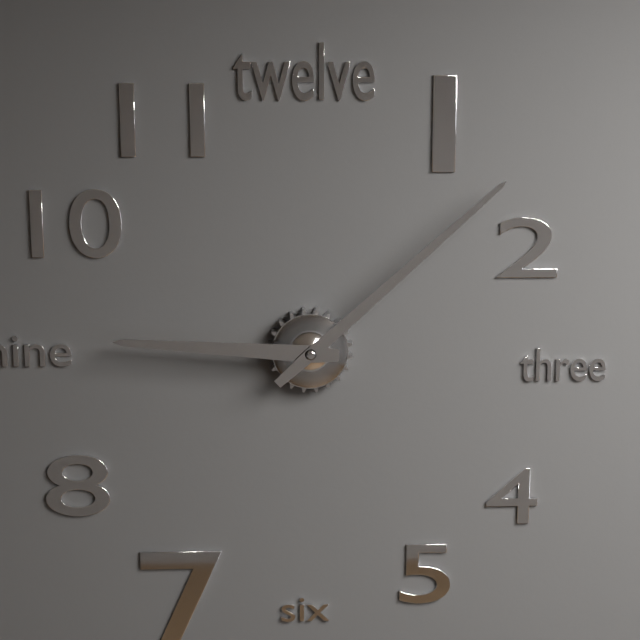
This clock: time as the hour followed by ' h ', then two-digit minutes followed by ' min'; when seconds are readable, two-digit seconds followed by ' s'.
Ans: 9 h 08 min
